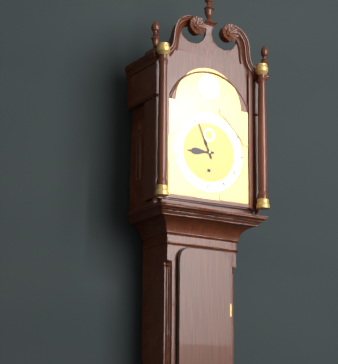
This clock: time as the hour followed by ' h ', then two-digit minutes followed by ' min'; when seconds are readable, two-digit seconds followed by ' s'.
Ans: 8 h 56 min
